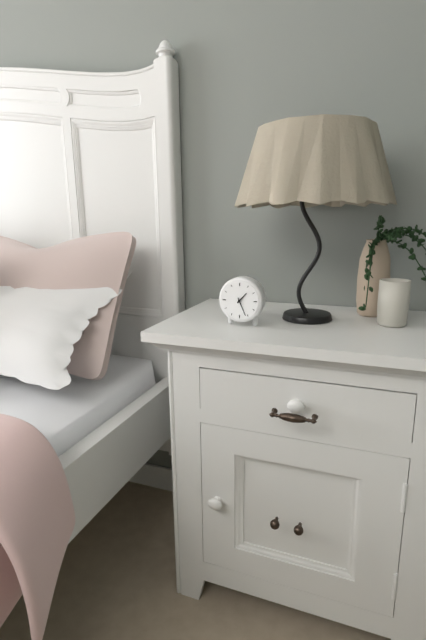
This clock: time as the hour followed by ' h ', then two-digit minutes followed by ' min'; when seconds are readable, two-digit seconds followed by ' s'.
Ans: 1 h 26 min
